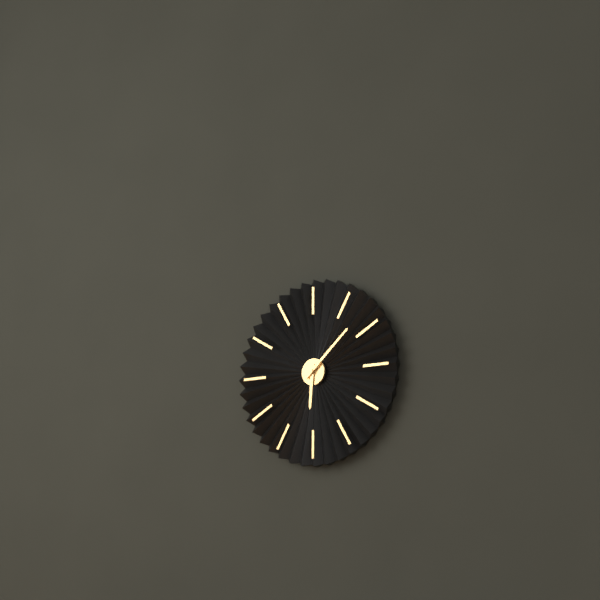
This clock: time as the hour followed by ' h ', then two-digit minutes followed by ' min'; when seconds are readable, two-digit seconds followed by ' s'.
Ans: 6 h 08 min
